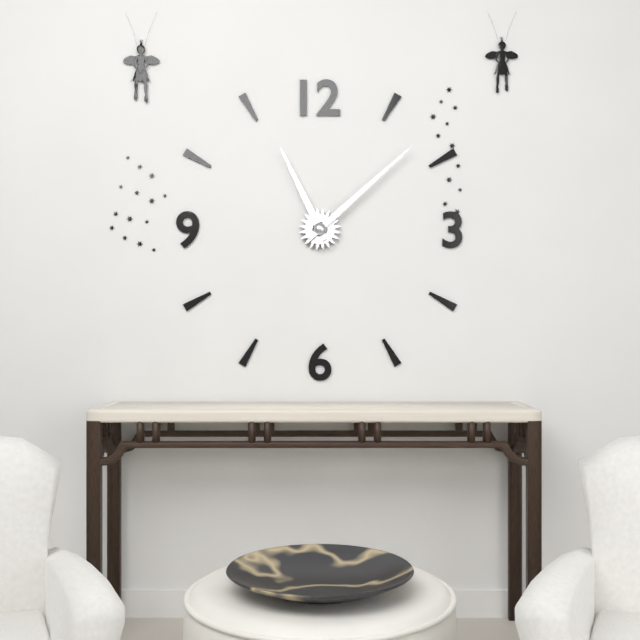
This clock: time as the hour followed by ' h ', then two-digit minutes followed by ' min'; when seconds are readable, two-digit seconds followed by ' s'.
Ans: 11 h 08 min
